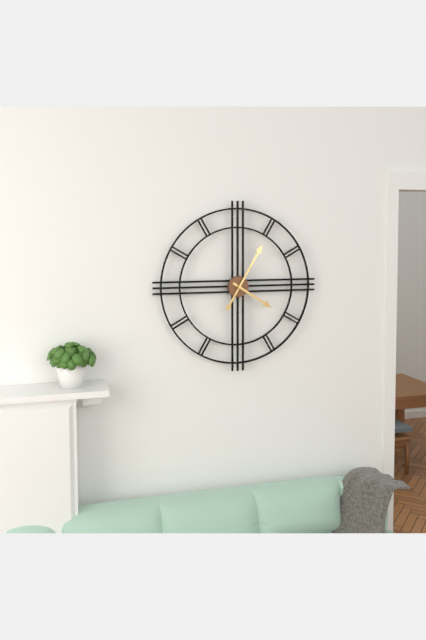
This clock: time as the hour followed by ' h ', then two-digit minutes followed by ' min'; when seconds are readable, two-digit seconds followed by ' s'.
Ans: 4 h 05 min
